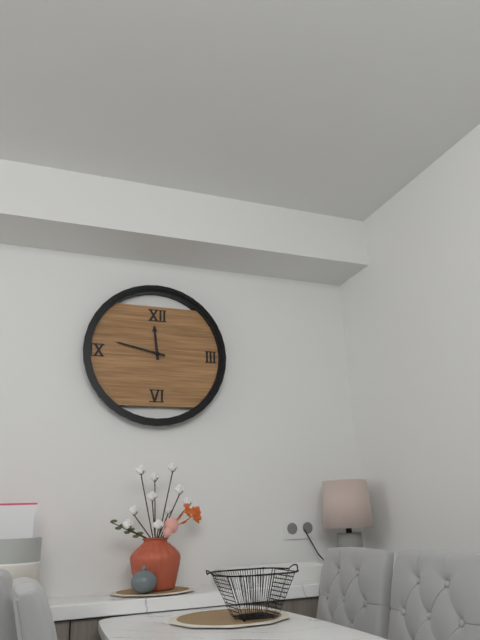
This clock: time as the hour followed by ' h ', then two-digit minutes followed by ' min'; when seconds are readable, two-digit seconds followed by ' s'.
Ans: 11 h 47 min
